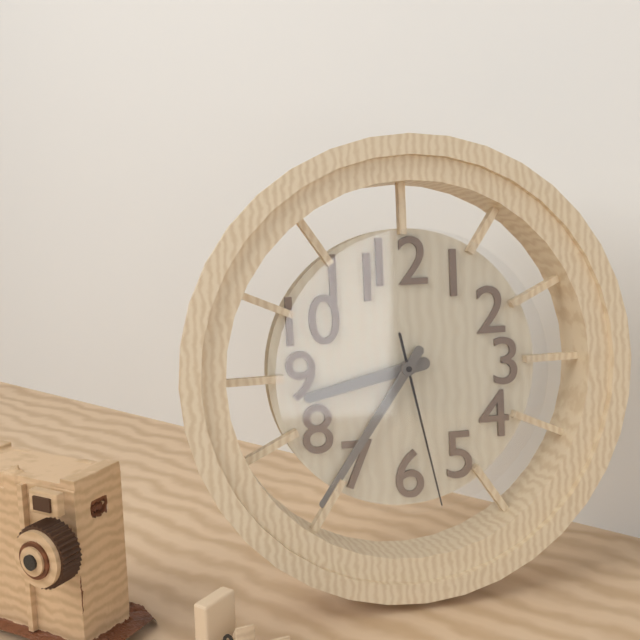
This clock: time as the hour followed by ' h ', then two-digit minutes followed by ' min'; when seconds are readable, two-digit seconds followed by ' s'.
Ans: 8 h 36 min 28 s
